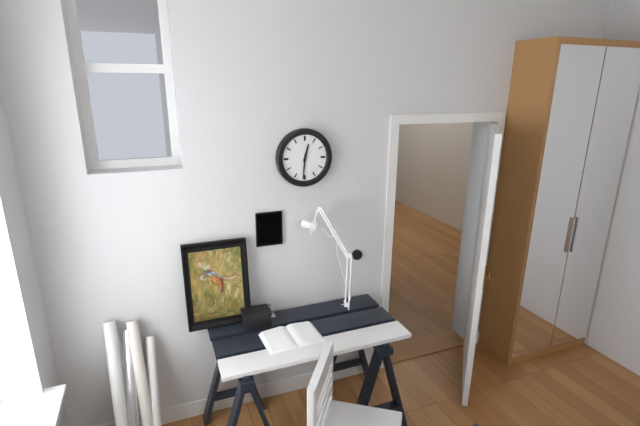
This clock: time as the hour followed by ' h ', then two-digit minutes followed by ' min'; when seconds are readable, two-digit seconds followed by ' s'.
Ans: 12 h 31 min
